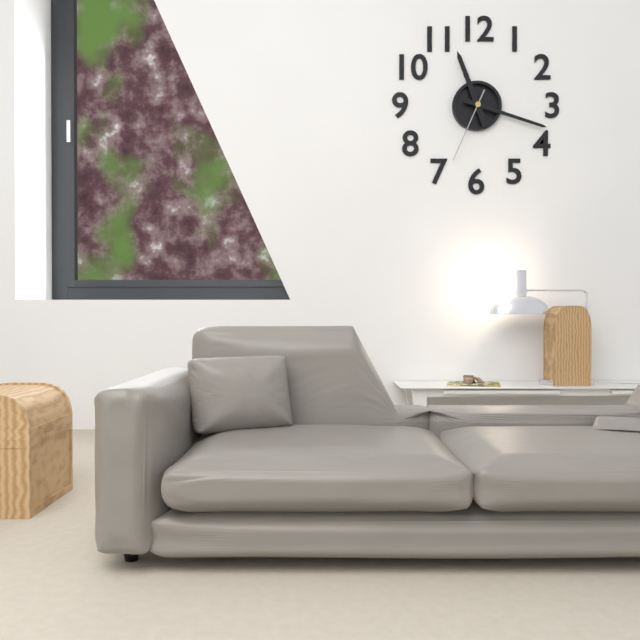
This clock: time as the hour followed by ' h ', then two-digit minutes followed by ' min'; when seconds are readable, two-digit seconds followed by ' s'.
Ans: 11 h 18 min 34 s
